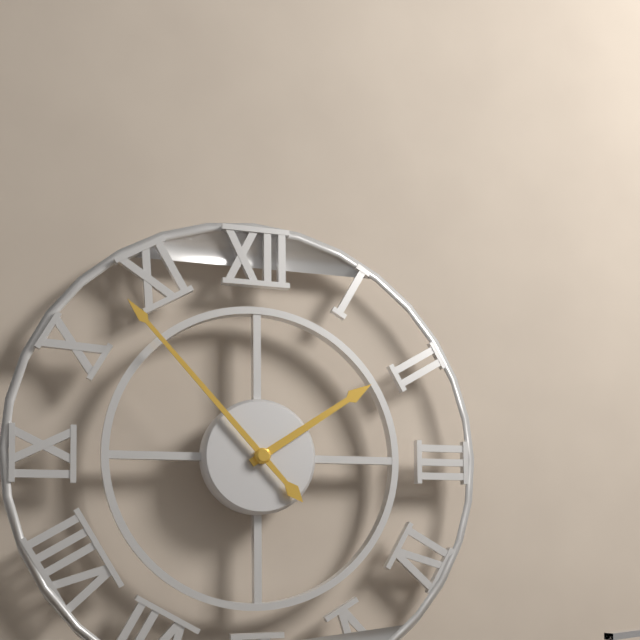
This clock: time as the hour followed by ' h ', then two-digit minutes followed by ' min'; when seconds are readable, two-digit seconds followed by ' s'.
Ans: 1 h 53 min
